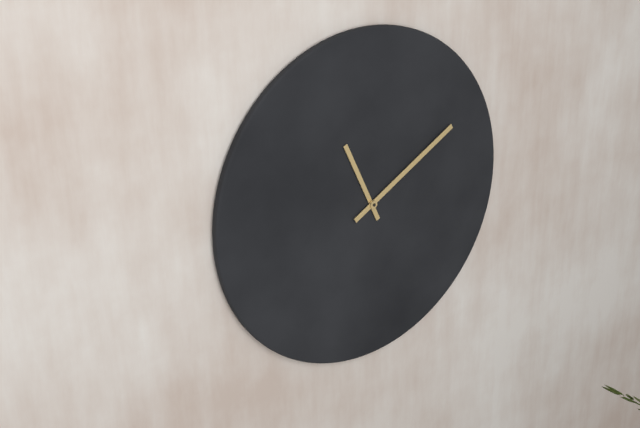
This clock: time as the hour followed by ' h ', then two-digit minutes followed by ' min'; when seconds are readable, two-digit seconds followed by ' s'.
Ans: 11 h 10 min
